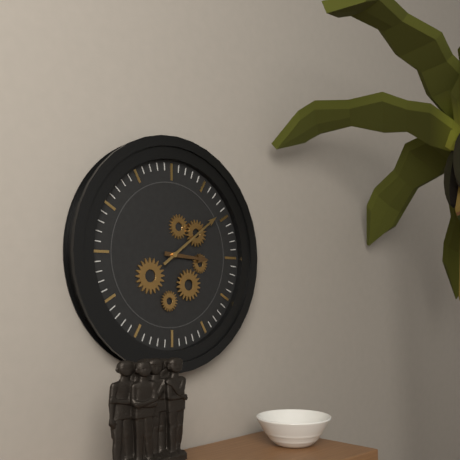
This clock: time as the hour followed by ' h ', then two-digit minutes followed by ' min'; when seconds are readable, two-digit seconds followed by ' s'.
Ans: 3 h 09 min
